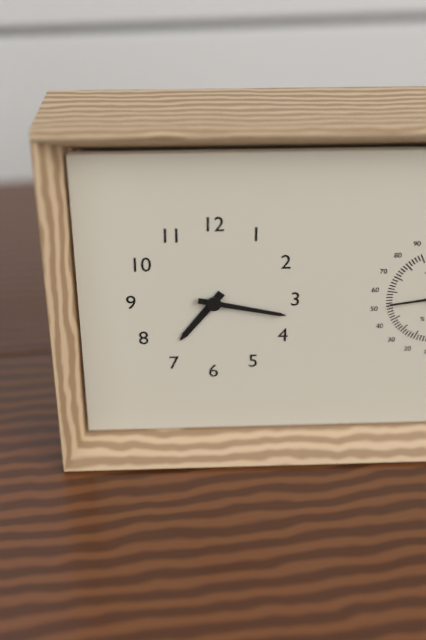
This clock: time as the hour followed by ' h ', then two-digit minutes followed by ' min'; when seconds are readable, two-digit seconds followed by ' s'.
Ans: 7 h 17 min
